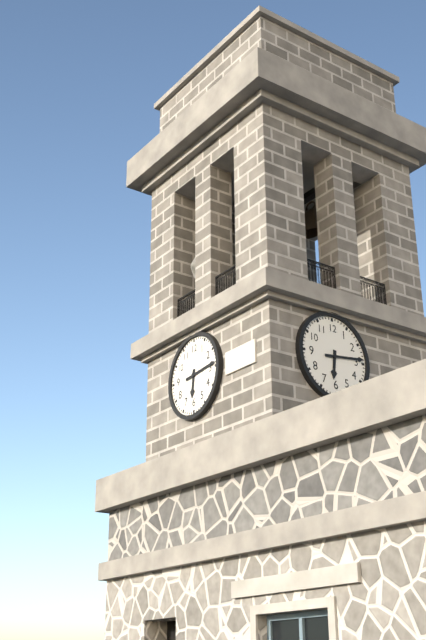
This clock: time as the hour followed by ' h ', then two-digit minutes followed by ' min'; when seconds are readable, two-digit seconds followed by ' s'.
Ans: 6 h 14 min
